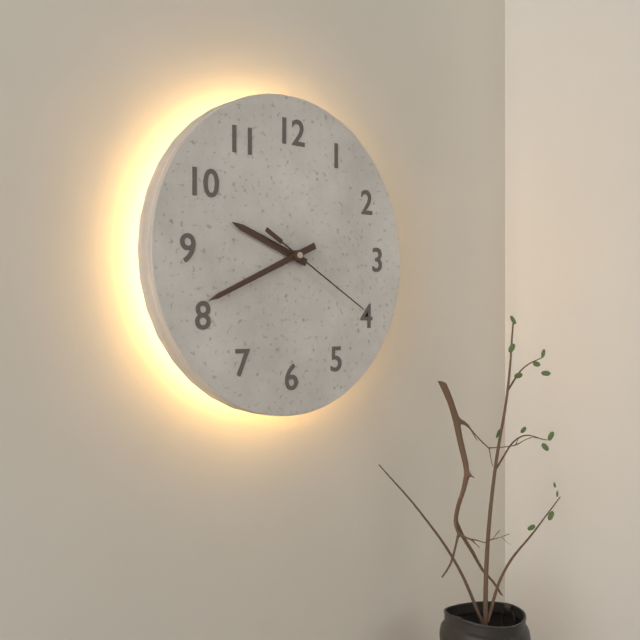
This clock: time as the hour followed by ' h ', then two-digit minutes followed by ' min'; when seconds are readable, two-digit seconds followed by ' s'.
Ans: 9 h 41 min 20 s
